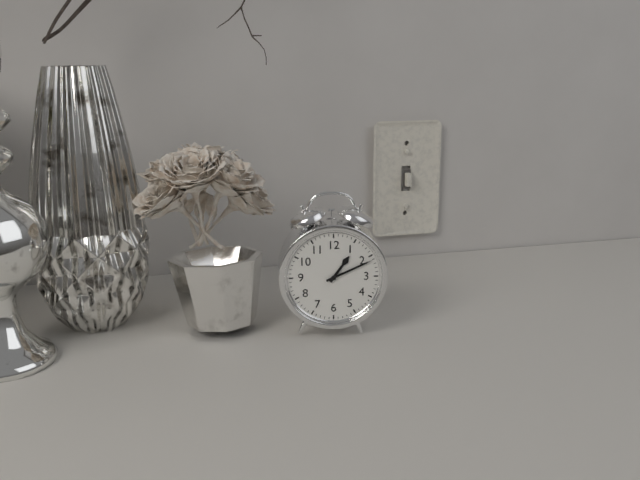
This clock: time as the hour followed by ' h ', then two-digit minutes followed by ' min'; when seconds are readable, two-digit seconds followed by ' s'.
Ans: 1 h 11 min
